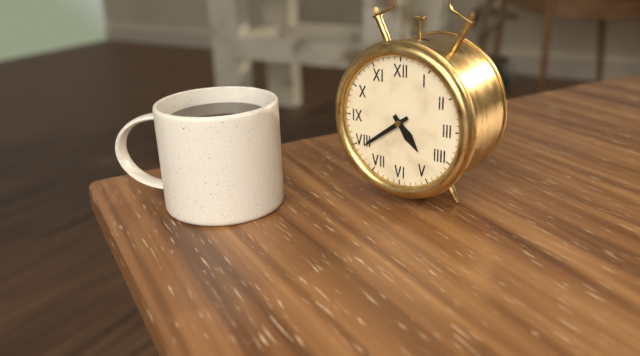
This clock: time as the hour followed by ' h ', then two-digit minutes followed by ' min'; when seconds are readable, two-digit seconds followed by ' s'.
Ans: 4 h 39 min
